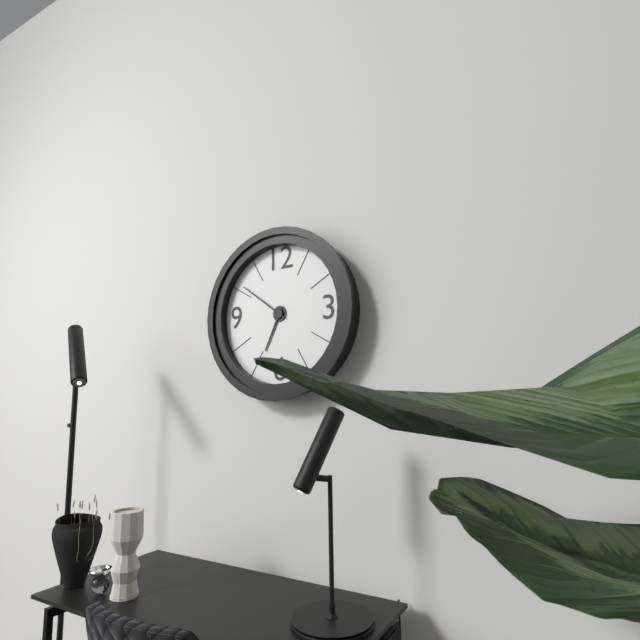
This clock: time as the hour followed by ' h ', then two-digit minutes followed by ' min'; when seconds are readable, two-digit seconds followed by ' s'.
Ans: 6 h 51 min
